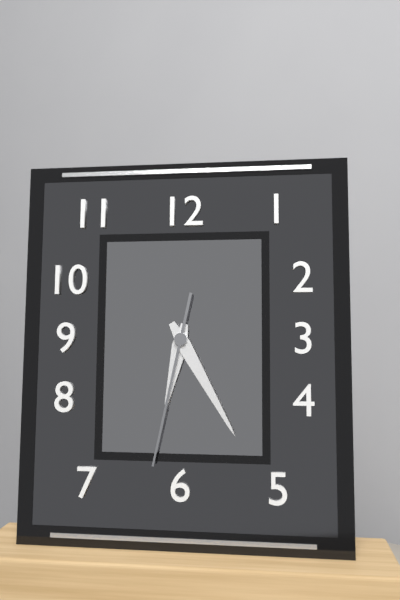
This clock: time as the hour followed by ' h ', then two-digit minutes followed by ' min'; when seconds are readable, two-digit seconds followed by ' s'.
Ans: 6 h 25 min 32 s
